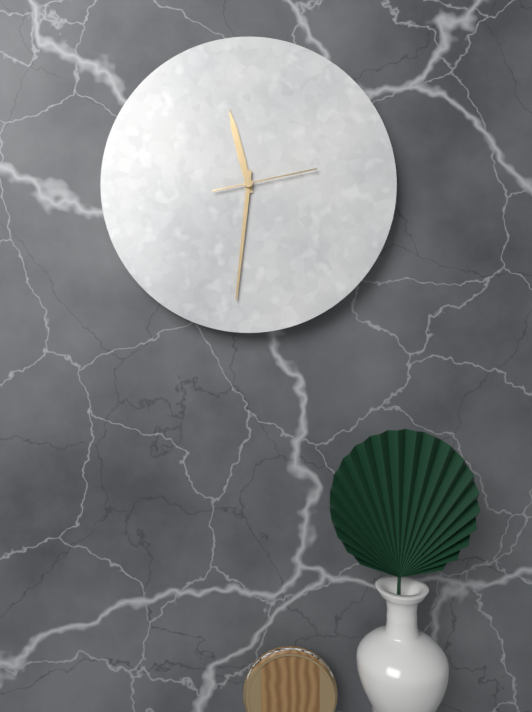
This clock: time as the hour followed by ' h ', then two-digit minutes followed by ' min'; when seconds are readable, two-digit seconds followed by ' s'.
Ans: 11 h 31 min 13 s
